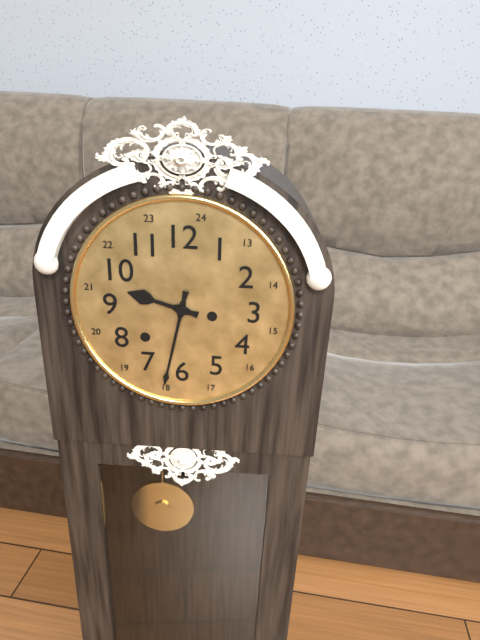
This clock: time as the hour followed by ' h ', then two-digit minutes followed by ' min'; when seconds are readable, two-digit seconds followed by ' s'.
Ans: 9 h 32 min
